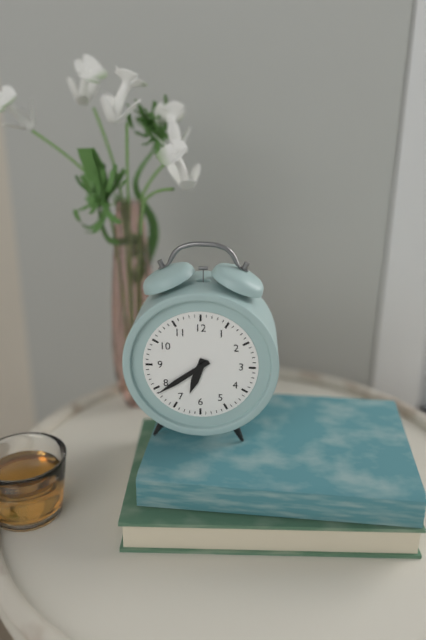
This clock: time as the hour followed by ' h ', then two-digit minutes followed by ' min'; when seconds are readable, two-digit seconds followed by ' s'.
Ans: 6 h 39 min
